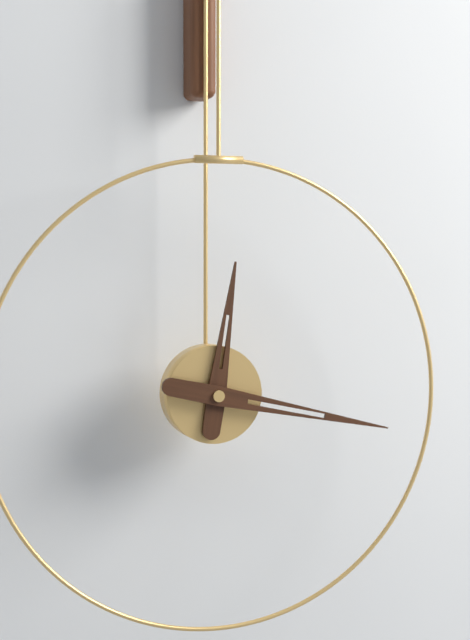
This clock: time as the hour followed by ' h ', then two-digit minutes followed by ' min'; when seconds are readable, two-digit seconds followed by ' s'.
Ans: 12 h 17 min
